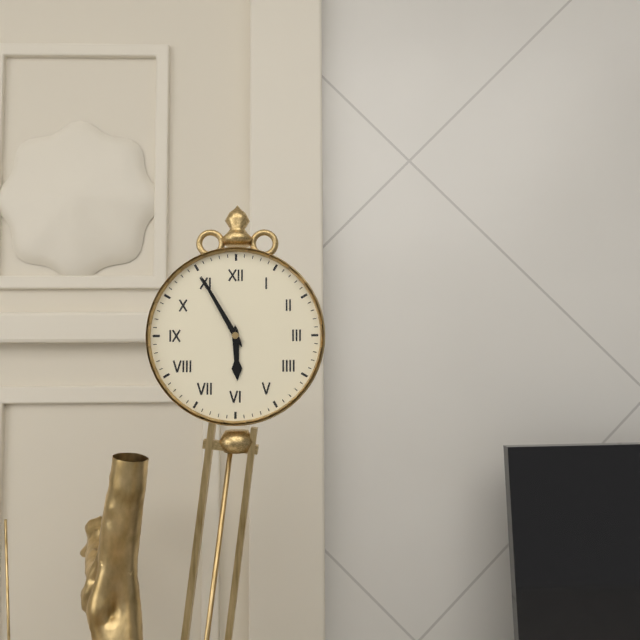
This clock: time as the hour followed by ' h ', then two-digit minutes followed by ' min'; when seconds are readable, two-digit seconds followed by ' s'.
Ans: 5 h 55 min
